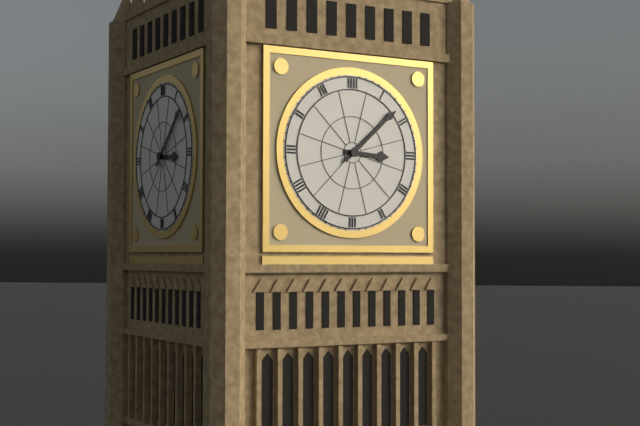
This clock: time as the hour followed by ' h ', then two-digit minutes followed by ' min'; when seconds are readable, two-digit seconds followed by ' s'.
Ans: 3 h 08 min
